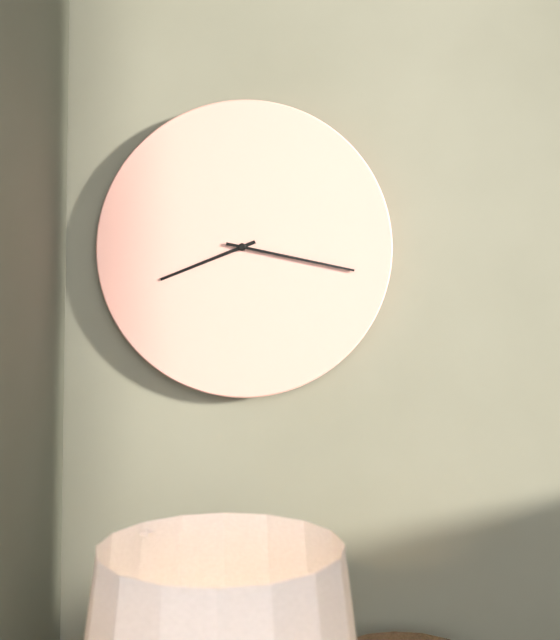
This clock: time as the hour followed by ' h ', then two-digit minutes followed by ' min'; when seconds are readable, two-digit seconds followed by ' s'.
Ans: 8 h 17 min
